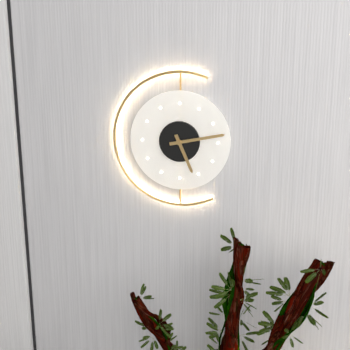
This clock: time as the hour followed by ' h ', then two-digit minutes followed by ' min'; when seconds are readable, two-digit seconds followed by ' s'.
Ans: 5 h 13 min
